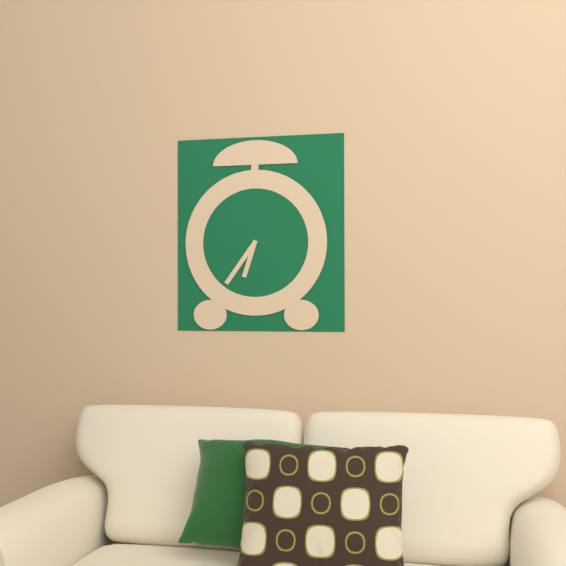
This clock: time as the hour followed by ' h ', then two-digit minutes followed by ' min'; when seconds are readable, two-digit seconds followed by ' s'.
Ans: 6 h 36 min
